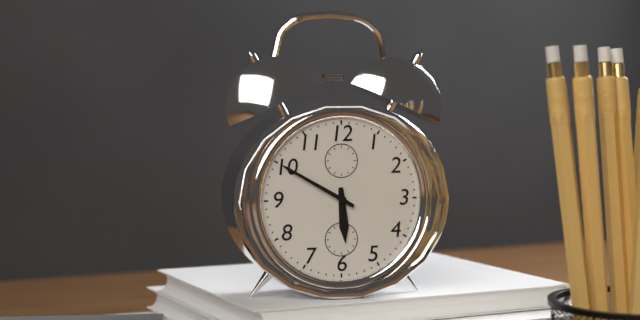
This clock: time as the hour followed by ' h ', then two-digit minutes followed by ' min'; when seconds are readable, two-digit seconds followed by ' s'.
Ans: 5 h 50 min
